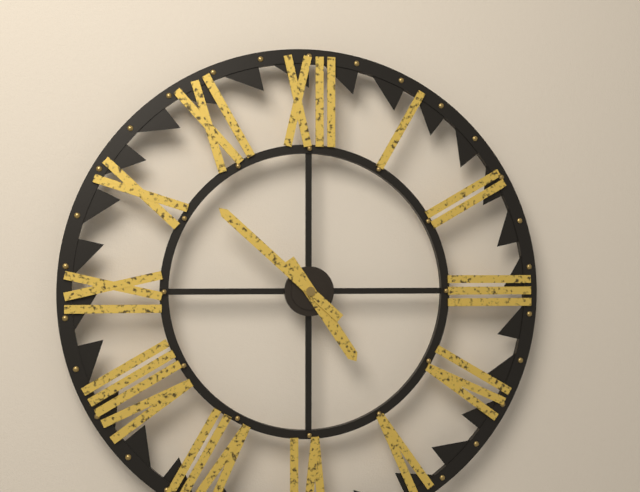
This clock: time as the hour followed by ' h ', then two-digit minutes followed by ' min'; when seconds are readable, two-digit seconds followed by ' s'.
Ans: 4 h 52 min
